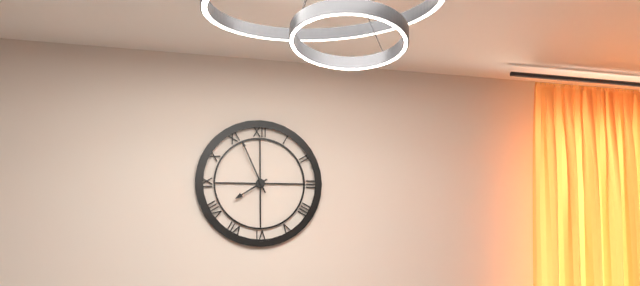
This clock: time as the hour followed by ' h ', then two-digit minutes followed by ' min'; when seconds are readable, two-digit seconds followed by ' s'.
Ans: 7 h 56 min
